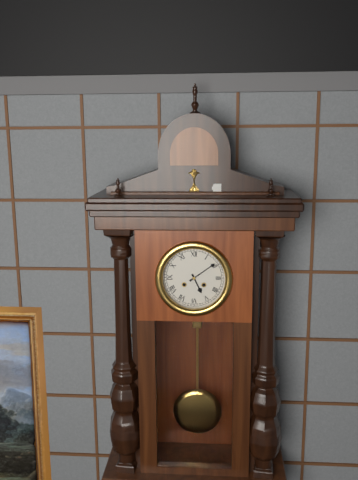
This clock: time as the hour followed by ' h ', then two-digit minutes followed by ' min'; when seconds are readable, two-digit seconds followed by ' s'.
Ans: 5 h 09 min
